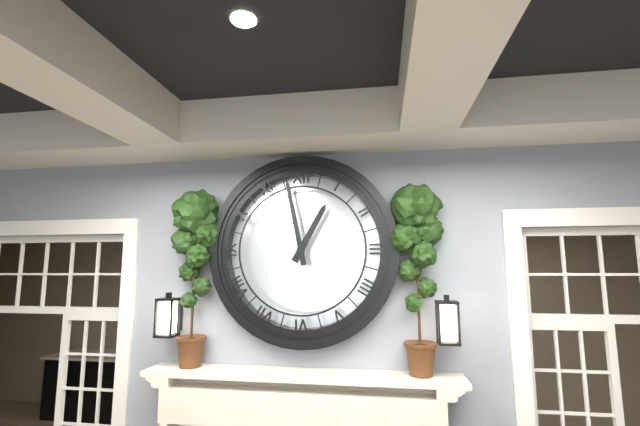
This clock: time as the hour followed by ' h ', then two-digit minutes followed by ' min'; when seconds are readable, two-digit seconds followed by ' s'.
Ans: 12 h 58 min
